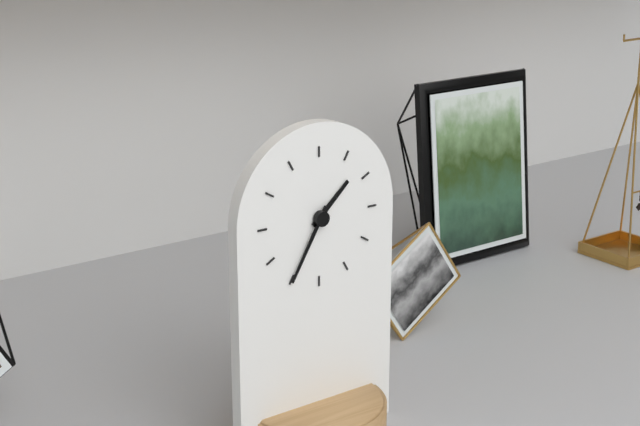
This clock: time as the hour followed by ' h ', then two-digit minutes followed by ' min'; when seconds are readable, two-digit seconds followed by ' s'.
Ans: 1 h 35 min
